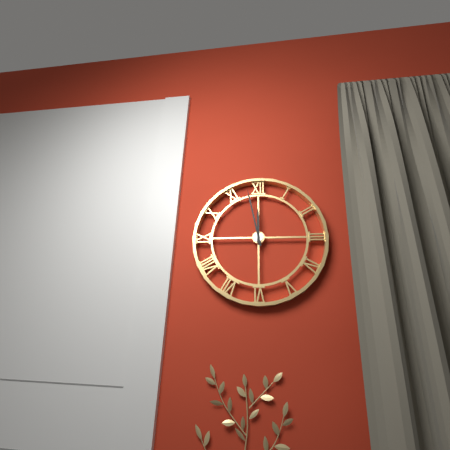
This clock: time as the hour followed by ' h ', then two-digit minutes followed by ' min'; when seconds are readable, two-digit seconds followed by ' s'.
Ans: 11 h 58 min
